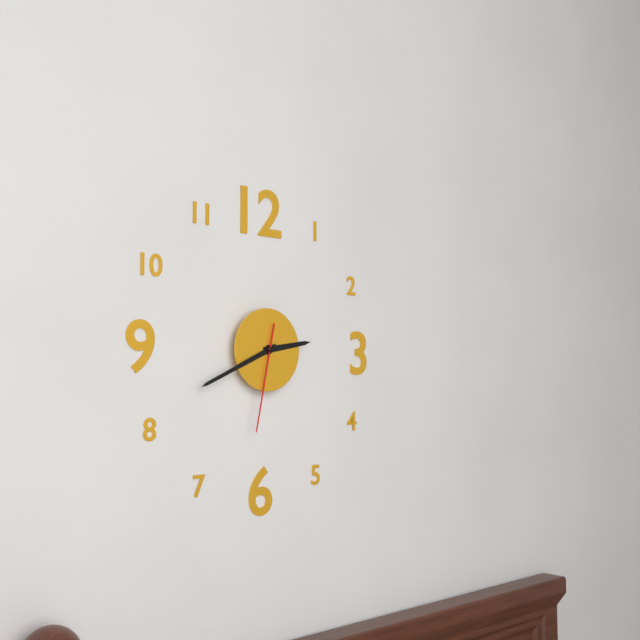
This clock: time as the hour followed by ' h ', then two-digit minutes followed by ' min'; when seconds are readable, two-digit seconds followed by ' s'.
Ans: 2 h 41 min 32 s
